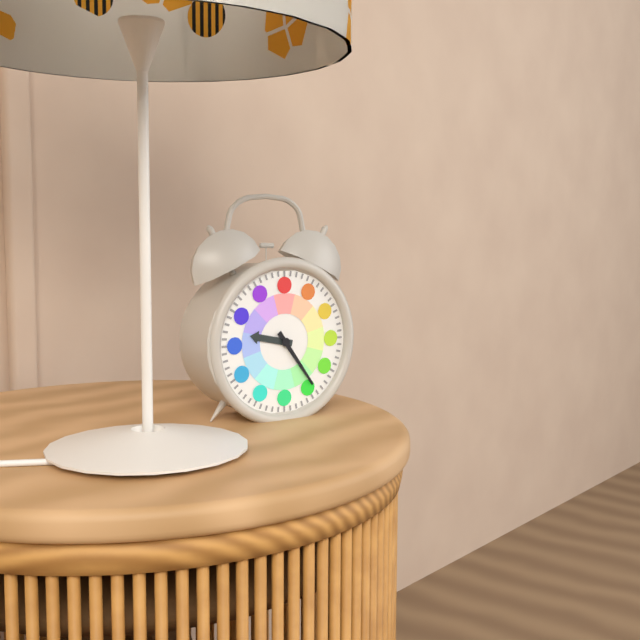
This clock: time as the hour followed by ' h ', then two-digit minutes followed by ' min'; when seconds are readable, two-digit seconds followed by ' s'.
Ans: 9 h 24 min
